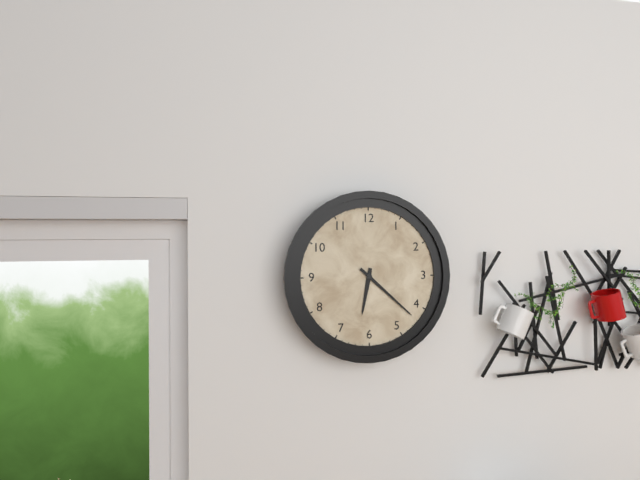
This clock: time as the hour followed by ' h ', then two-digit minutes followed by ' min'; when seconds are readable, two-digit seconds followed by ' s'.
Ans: 6 h 22 min
